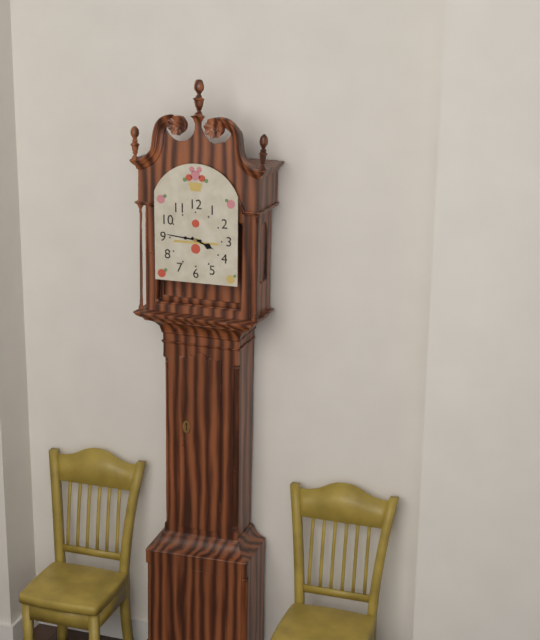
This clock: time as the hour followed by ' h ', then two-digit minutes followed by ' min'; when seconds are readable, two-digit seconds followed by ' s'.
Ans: 3 h 46 min
